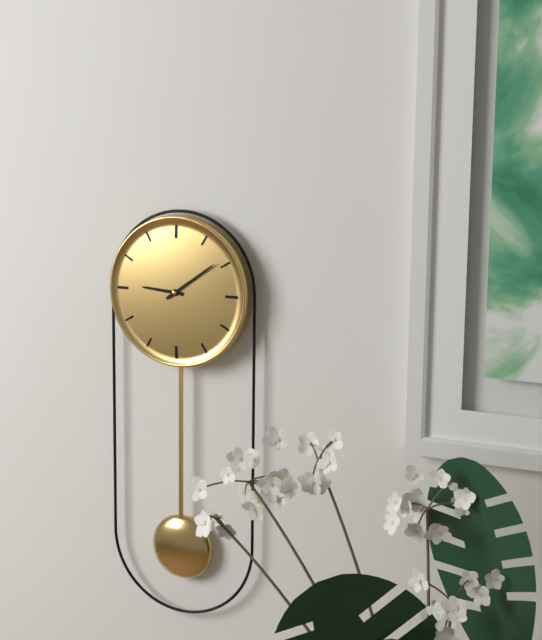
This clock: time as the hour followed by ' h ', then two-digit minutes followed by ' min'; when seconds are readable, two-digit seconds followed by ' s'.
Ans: 9 h 09 min
